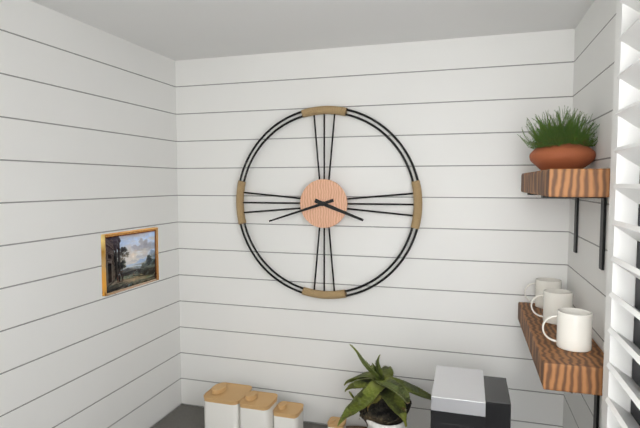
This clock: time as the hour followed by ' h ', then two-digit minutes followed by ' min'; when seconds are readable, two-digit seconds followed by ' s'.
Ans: 3 h 42 min
